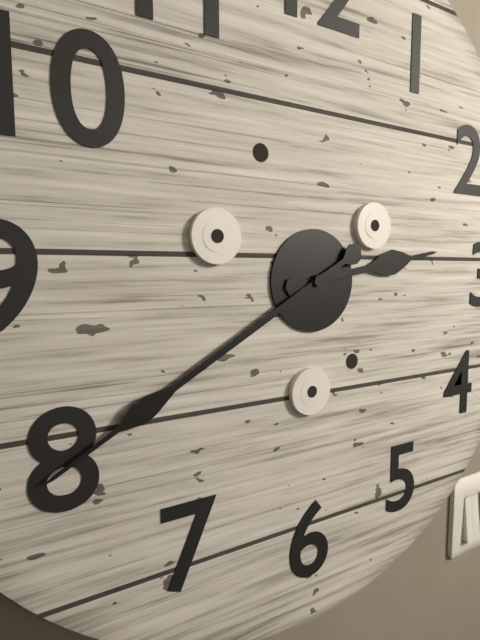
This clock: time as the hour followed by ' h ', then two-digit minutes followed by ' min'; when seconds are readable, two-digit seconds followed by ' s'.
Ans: 2 h 40 min
